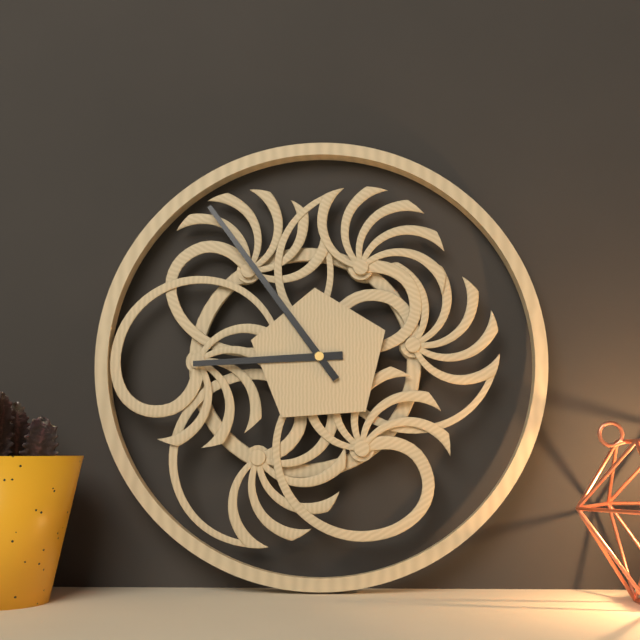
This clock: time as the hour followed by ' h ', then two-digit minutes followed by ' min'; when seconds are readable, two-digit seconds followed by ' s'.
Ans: 8 h 54 min
